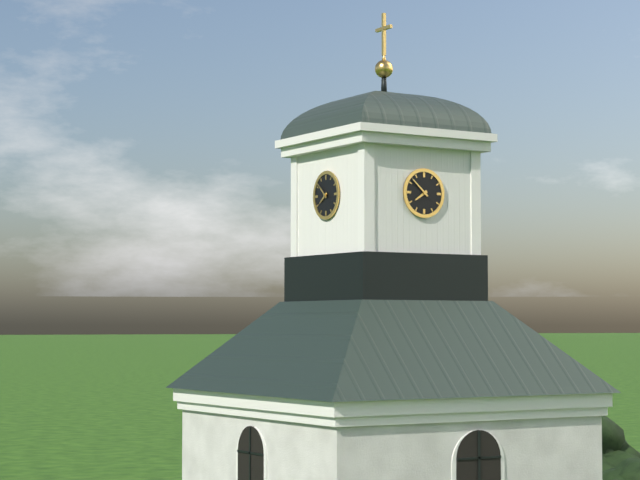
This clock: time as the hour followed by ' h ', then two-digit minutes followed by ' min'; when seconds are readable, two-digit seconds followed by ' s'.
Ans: 7 h 52 min
